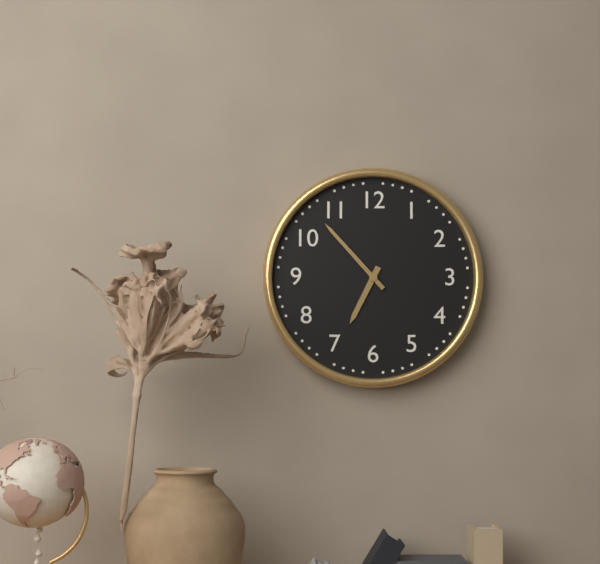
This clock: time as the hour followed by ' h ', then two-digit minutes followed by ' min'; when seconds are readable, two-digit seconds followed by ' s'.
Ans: 6 h 53 min
